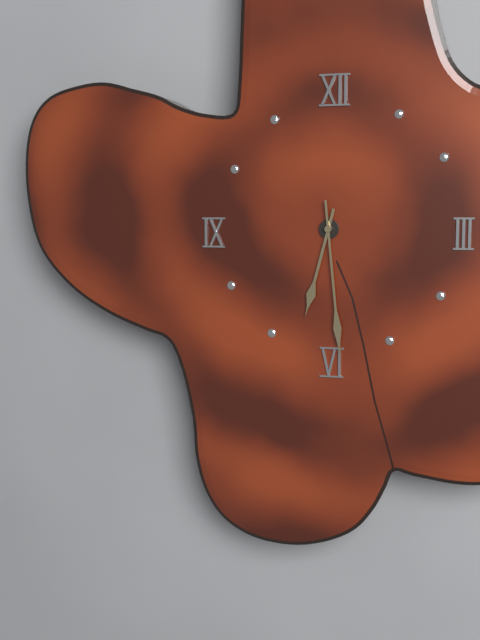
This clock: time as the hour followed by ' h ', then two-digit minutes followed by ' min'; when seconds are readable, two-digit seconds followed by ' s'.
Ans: 6 h 29 min
